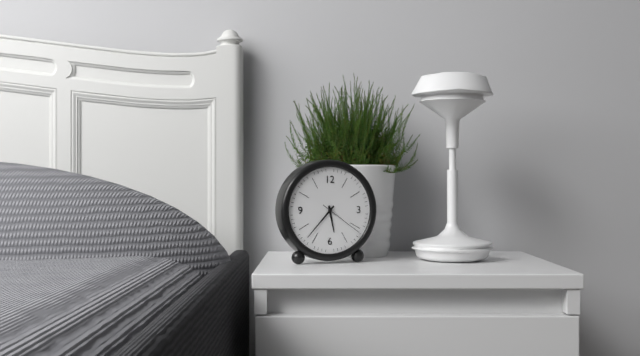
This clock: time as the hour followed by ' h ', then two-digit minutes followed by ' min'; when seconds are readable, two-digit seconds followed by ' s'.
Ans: 5 h 37 min
